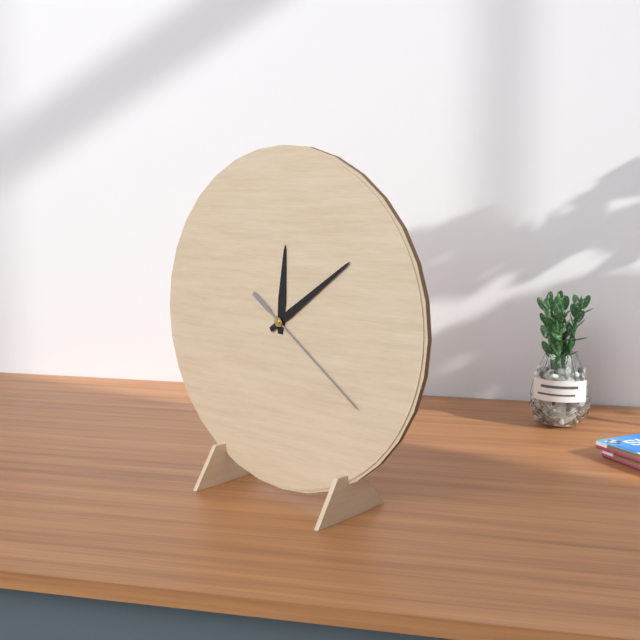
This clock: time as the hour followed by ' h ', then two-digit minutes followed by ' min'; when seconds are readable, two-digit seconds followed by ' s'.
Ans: 12 h 09 min 21 s
